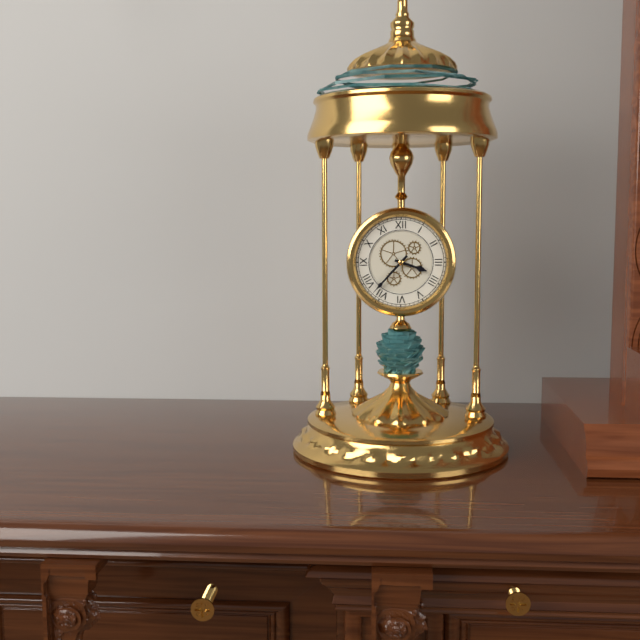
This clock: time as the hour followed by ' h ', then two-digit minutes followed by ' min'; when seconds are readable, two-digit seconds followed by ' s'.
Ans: 3 h 37 min
